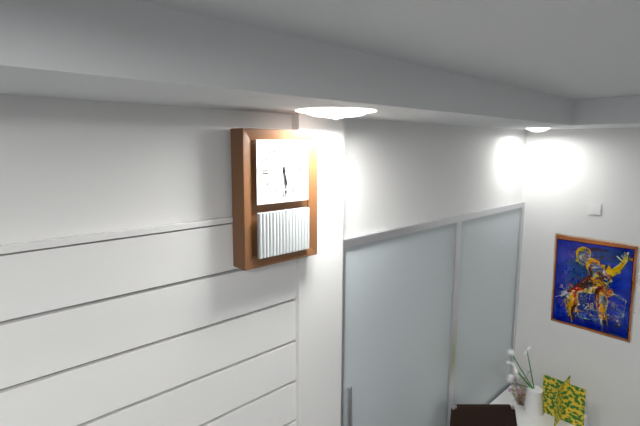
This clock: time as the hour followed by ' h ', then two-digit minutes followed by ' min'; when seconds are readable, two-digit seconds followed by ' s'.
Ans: 5 h 29 min
